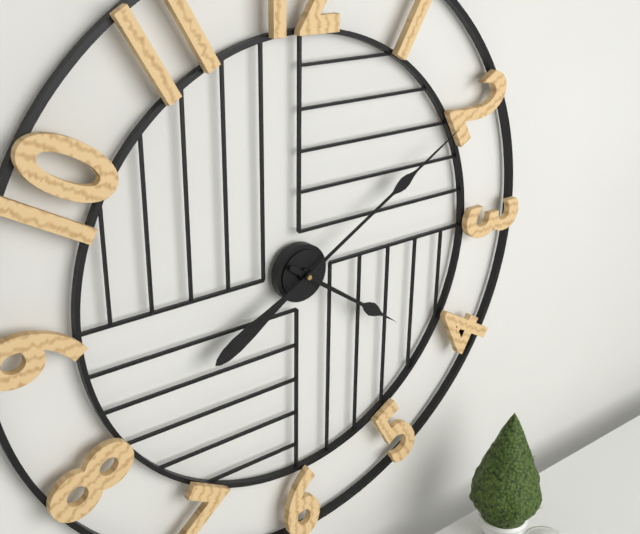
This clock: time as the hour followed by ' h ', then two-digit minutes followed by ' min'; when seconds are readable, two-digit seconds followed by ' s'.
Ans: 4 h 10 min
